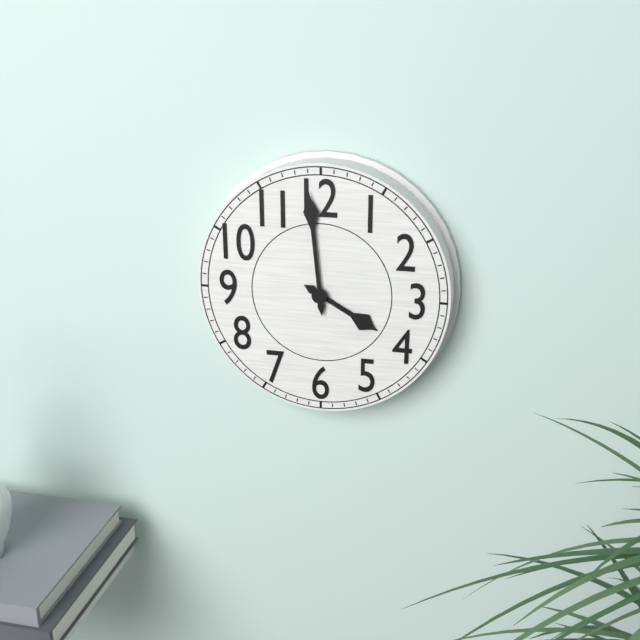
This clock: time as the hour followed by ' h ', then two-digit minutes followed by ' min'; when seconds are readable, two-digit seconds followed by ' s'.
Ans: 3 h 59 min
